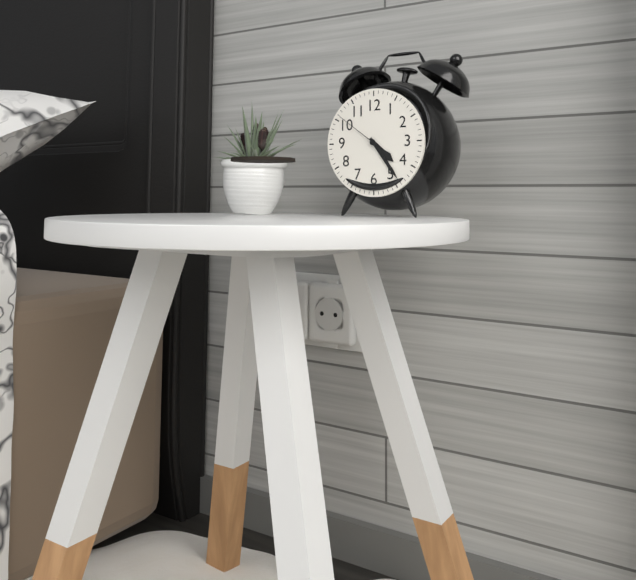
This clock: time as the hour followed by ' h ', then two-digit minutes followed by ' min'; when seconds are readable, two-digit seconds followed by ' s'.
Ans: 4 h 24 min 51 s
